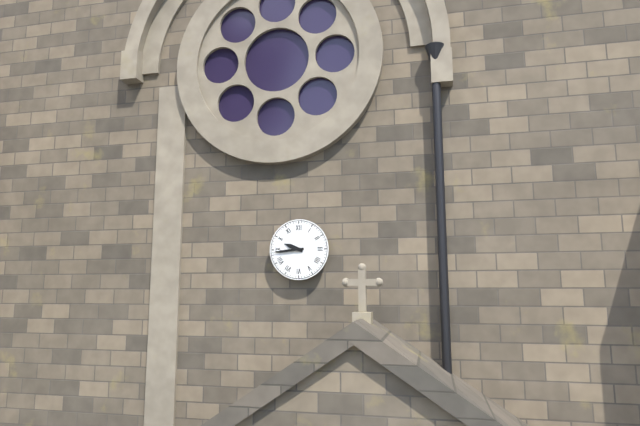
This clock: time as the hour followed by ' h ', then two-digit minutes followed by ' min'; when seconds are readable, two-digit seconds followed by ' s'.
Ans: 9 h 44 min
